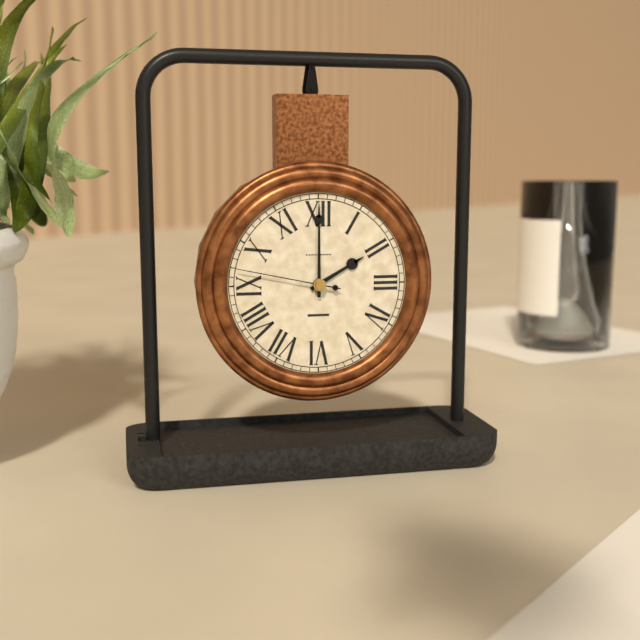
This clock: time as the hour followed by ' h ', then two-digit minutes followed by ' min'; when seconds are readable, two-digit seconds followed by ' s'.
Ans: 2 h 00 min 47 s
